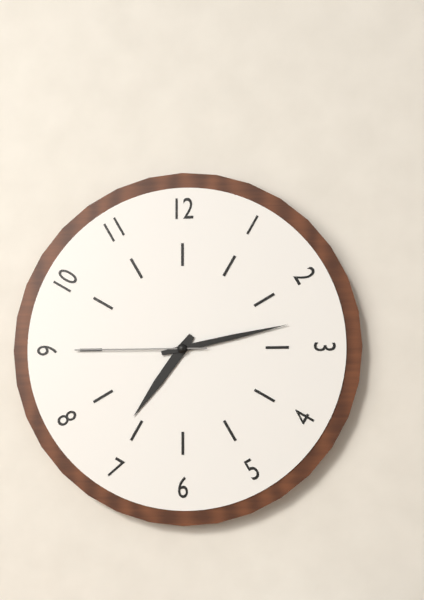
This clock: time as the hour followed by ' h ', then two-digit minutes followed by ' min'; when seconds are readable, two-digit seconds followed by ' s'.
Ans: 7 h 13 min 45 s
